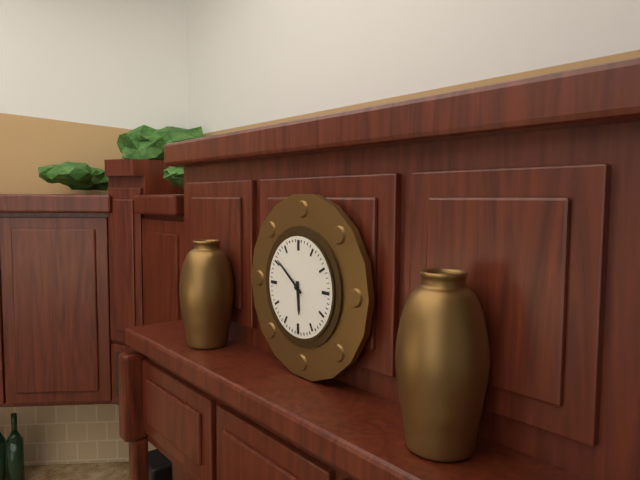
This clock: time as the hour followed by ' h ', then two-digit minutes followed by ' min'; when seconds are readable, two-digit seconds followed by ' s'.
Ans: 5 h 51 min
